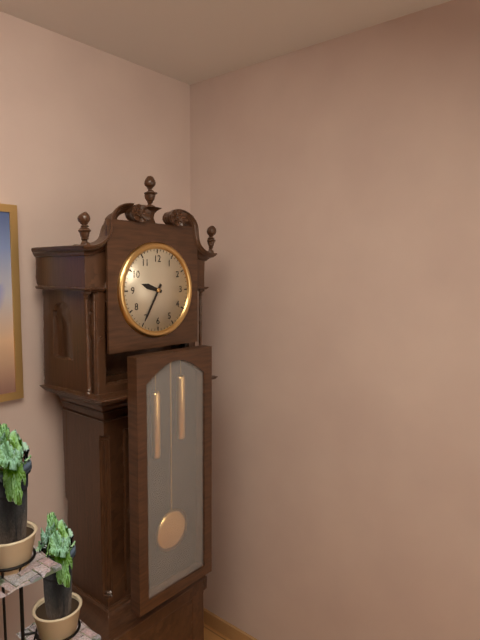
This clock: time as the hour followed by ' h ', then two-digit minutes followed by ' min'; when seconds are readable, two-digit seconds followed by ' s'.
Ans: 9 h 35 min
